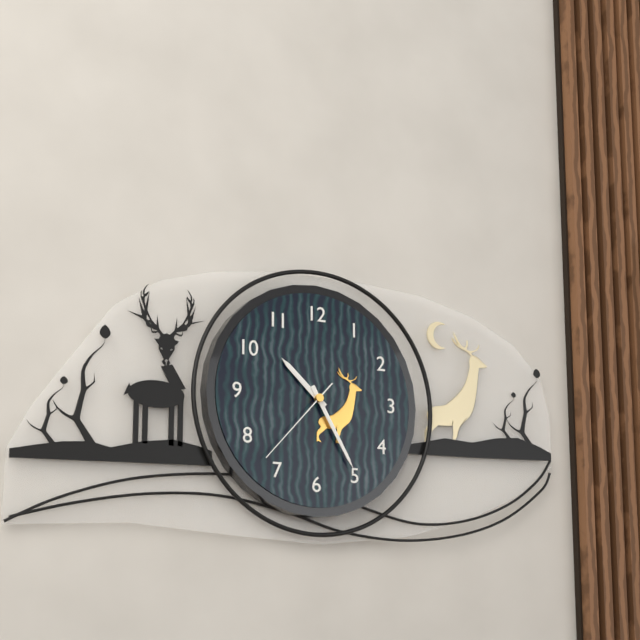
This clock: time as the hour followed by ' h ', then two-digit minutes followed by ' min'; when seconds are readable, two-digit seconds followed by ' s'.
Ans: 10 h 25 min 37 s
